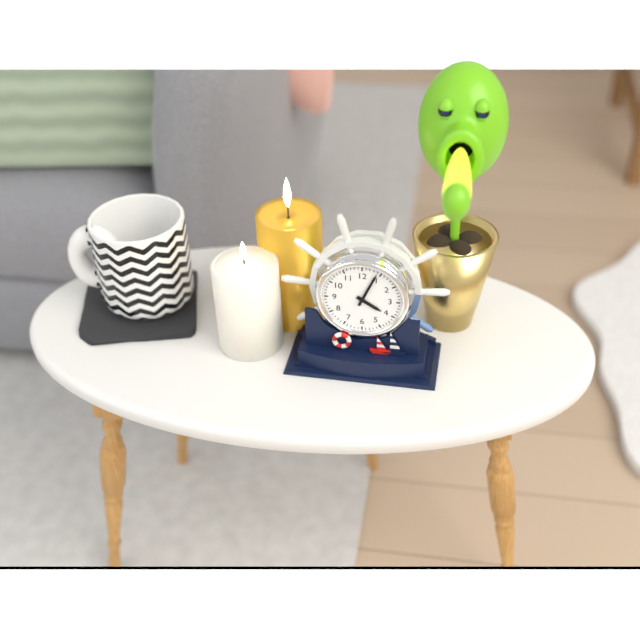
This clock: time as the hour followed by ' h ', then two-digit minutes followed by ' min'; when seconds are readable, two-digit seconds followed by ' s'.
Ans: 4 h 04 min
